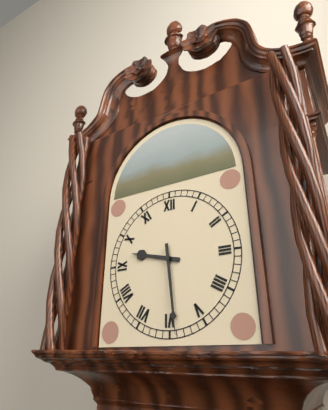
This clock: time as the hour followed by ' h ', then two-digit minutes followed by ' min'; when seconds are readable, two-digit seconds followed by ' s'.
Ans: 9 h 29 min
